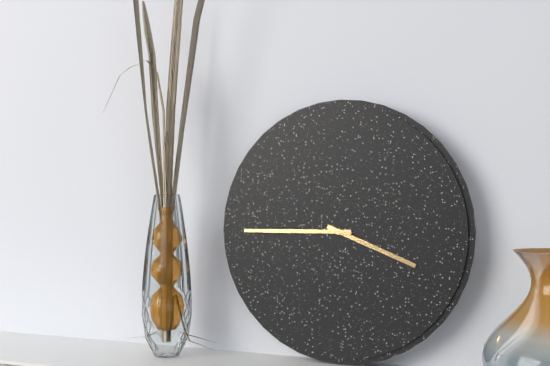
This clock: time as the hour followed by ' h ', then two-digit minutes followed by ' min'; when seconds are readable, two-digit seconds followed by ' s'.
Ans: 3 h 45 min
